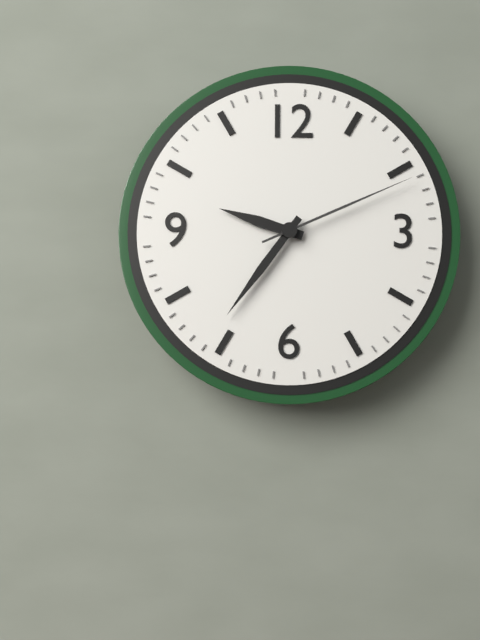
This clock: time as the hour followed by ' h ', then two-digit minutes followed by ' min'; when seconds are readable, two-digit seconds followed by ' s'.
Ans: 9 h 36 min 11 s
